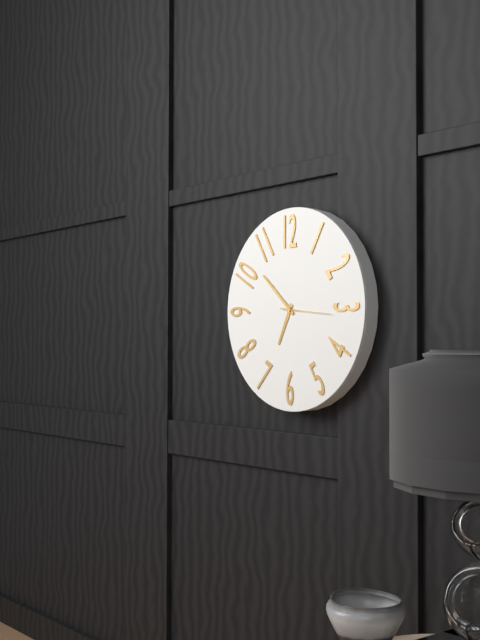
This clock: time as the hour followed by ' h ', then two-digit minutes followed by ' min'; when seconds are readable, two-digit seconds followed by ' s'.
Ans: 6 h 52 min 16 s
